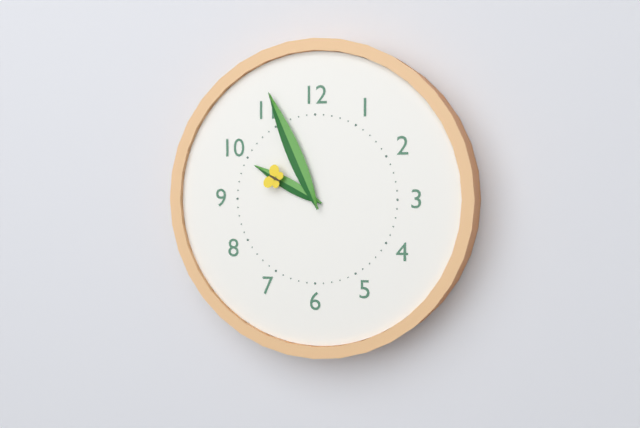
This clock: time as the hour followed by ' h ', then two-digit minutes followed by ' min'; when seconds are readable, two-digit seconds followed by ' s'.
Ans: 9 h 56 min
